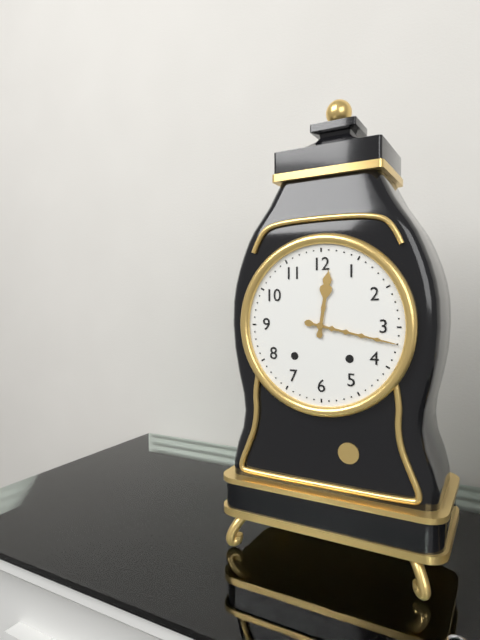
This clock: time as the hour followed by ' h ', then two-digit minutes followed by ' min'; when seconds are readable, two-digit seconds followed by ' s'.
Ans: 12 h 17 min
